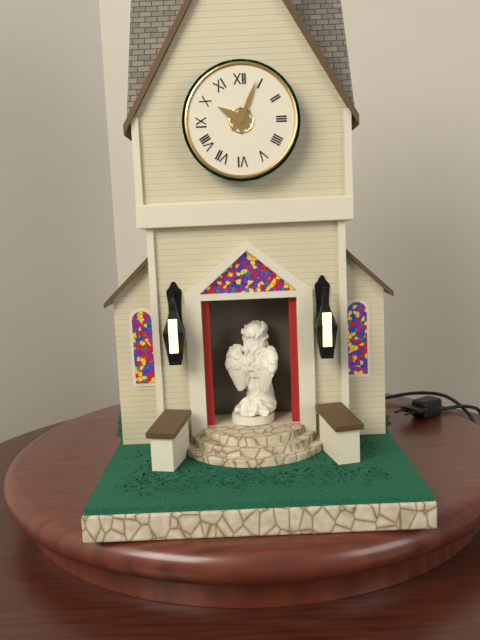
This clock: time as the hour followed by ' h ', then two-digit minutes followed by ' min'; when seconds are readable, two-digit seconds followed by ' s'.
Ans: 10 h 04 min
